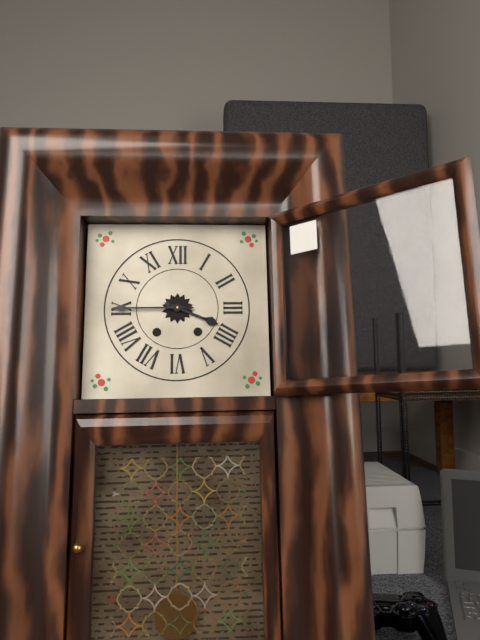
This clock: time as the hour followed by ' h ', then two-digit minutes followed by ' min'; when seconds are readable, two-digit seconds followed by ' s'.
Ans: 3 h 45 min
